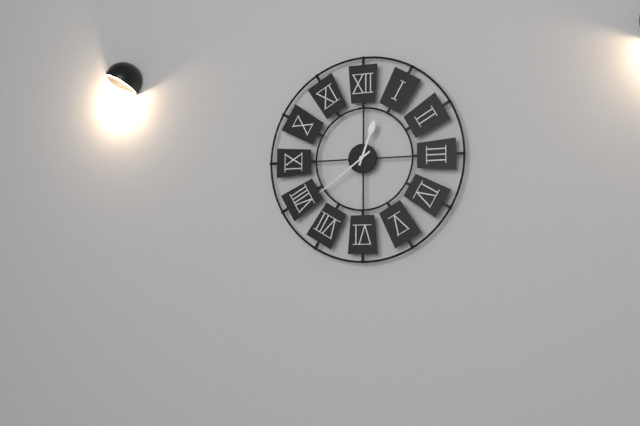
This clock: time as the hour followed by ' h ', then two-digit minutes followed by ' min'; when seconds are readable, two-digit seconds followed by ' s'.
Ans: 12 h 39 min
